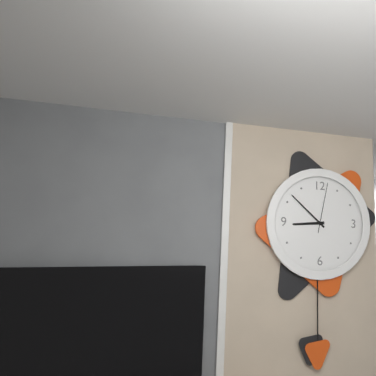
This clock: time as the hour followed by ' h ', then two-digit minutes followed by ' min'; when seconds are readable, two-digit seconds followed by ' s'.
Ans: 8 h 52 min 02 s
